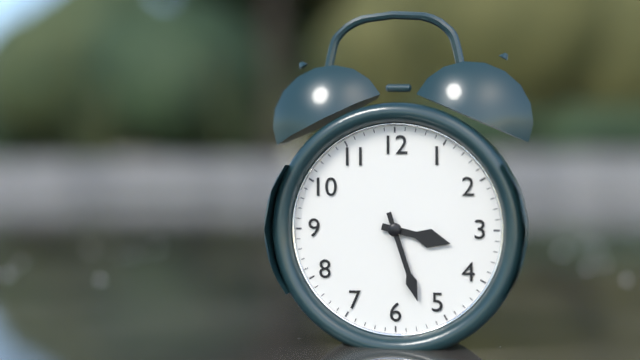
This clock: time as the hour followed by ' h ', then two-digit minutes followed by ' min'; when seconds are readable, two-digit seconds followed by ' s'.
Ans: 3 h 27 min
